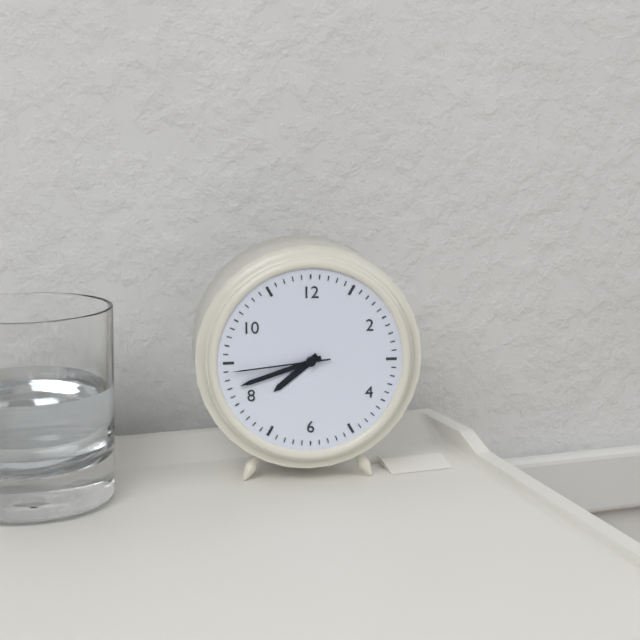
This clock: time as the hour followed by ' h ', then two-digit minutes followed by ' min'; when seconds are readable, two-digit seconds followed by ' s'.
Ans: 7 h 42 min 44 s
